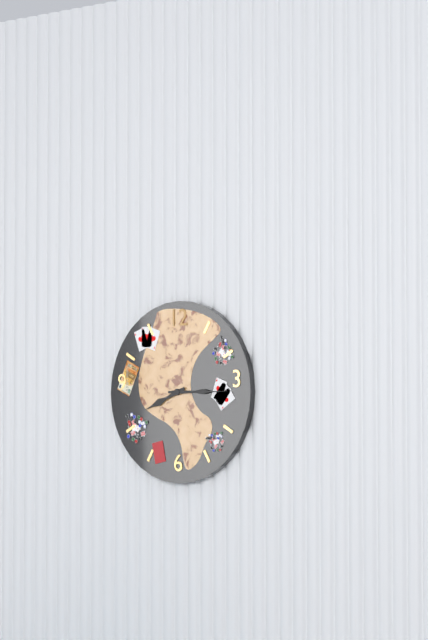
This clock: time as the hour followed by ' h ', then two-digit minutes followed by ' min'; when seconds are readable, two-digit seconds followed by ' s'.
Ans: 8 h 15 min
